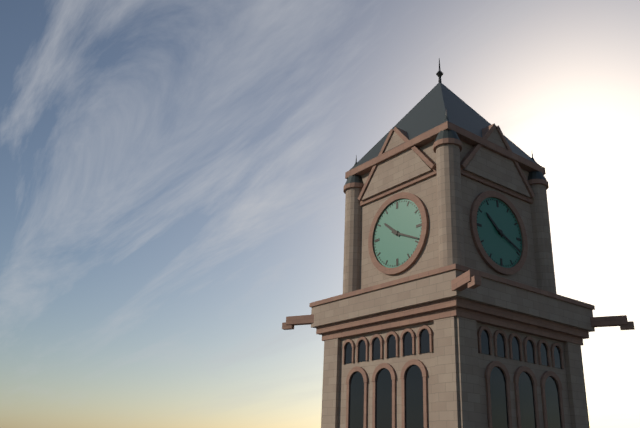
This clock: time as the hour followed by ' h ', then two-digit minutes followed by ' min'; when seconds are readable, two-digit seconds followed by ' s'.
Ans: 10 h 19 min
